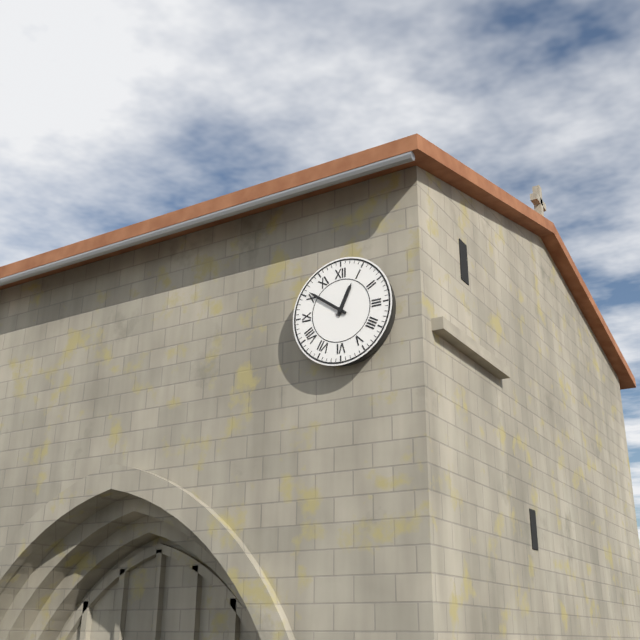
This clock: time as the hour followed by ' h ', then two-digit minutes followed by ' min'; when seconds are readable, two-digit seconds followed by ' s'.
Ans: 12 h 51 min
